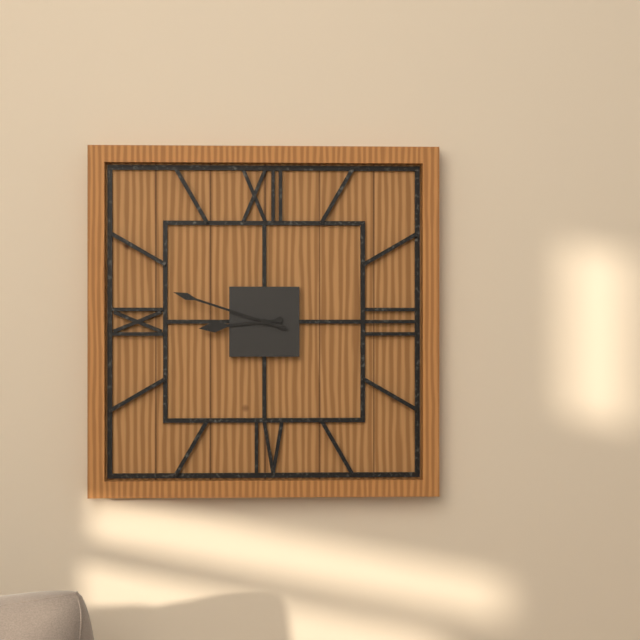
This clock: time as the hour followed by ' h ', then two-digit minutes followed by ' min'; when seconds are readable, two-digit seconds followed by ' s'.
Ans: 8 h 48 min
